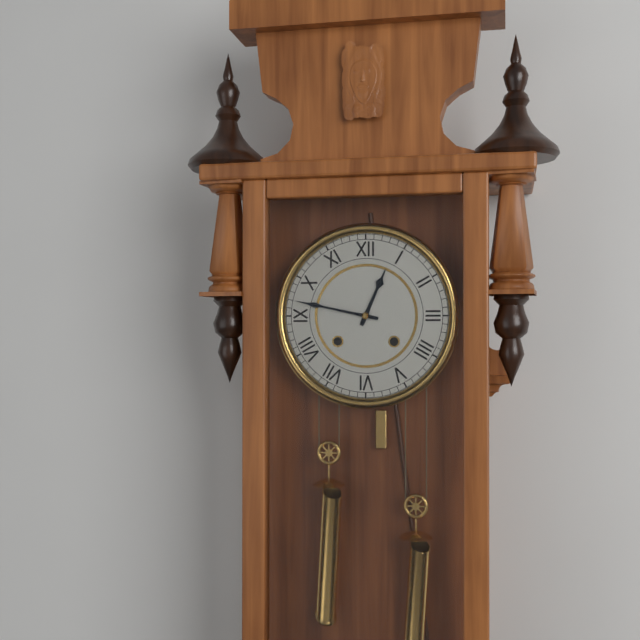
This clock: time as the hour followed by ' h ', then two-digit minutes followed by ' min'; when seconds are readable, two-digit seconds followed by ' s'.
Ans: 12 h 47 min
